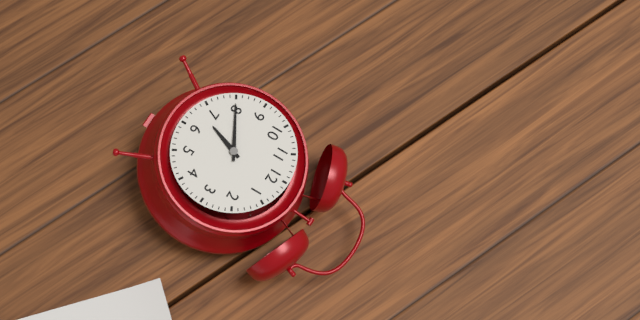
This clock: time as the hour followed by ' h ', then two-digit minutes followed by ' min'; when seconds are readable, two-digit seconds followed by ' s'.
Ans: 6 h 40 min
